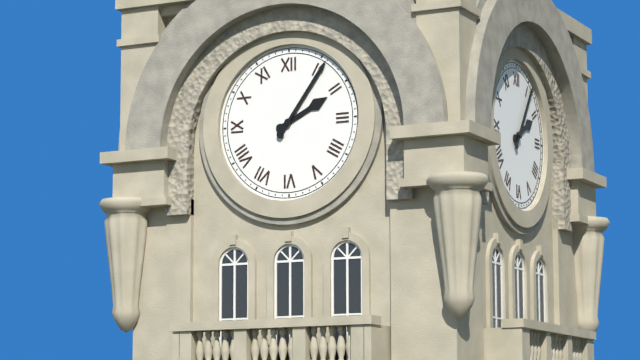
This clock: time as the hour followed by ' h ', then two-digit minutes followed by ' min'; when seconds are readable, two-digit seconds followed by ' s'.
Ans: 2 h 06 min
